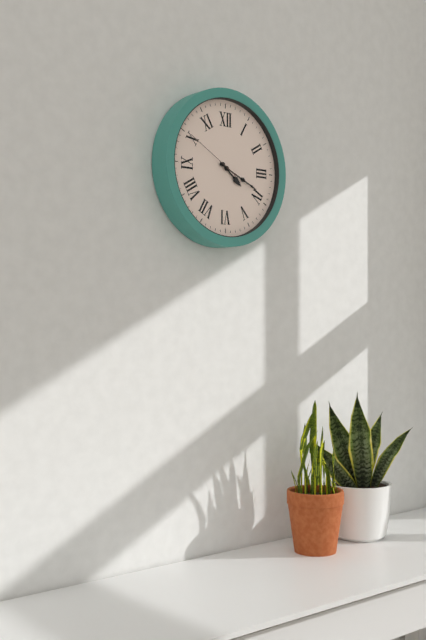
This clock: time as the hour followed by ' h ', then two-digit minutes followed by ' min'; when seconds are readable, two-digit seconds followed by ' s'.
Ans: 4 h 19 min 50 s
